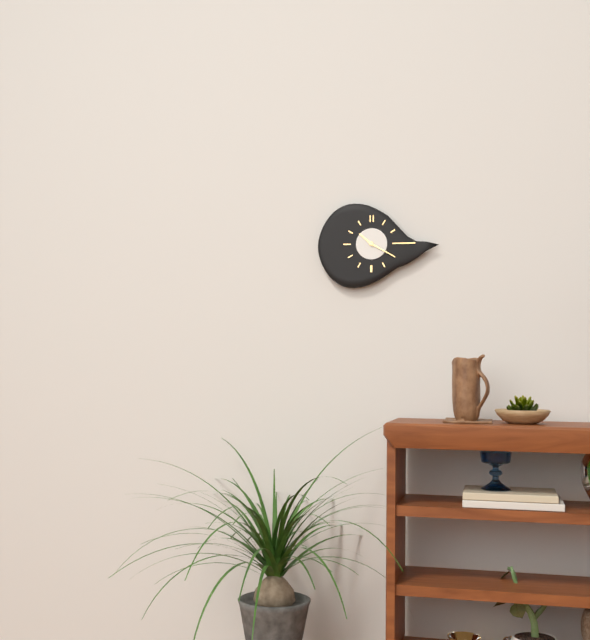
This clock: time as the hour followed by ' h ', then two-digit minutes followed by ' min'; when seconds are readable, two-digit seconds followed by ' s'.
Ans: 10 h 20 min
